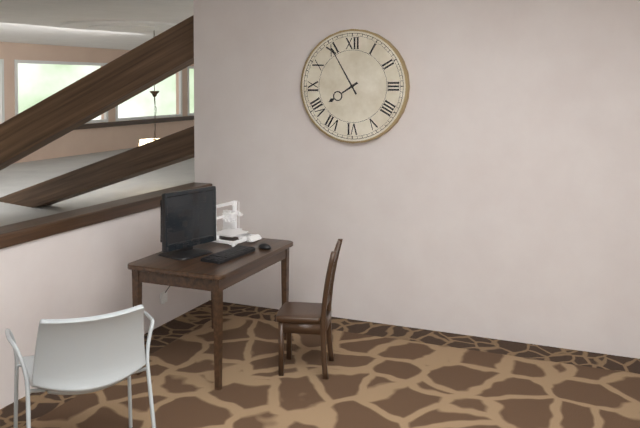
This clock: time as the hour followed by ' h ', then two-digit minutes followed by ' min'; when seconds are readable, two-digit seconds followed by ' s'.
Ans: 7 h 55 min
